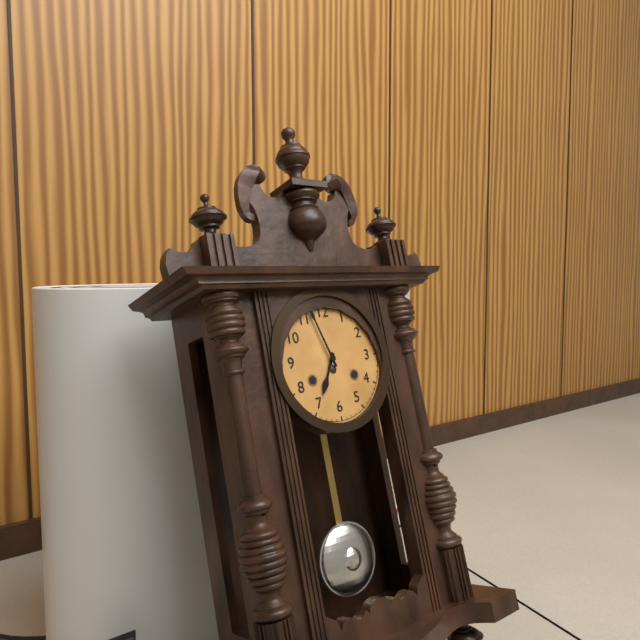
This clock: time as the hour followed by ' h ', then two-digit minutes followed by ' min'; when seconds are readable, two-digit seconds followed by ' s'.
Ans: 6 h 57 min
